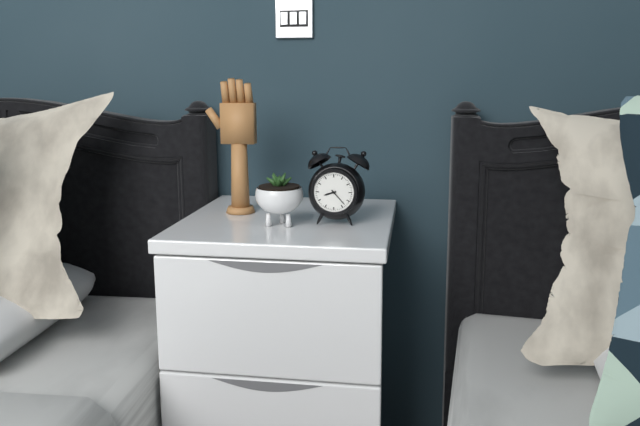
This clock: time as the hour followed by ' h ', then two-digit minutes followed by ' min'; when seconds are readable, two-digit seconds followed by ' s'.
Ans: 8 h 23 min
